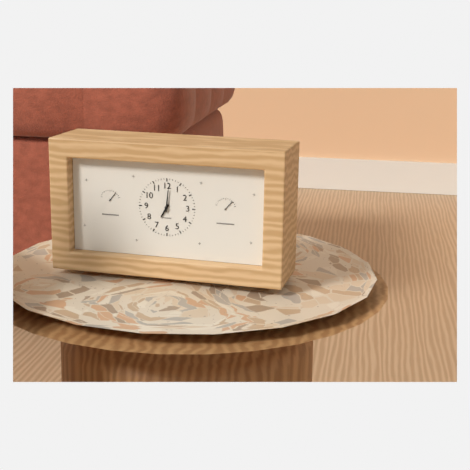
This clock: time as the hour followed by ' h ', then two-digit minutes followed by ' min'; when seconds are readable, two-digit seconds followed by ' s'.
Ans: 7 h 01 min
